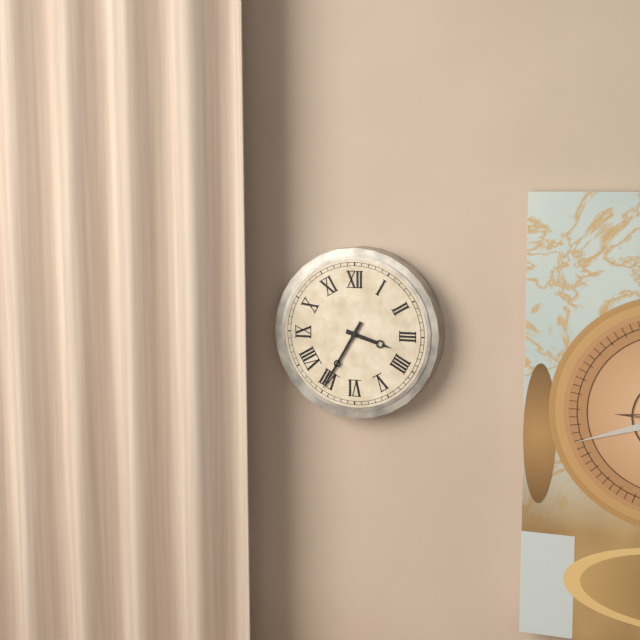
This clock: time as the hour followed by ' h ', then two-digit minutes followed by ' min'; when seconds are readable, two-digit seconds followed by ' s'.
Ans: 3 h 35 min
